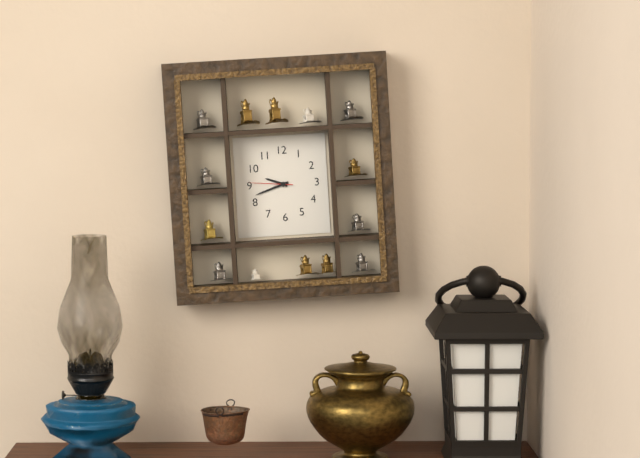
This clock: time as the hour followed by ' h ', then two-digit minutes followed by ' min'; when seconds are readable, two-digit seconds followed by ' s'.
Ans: 9 h 42 min
